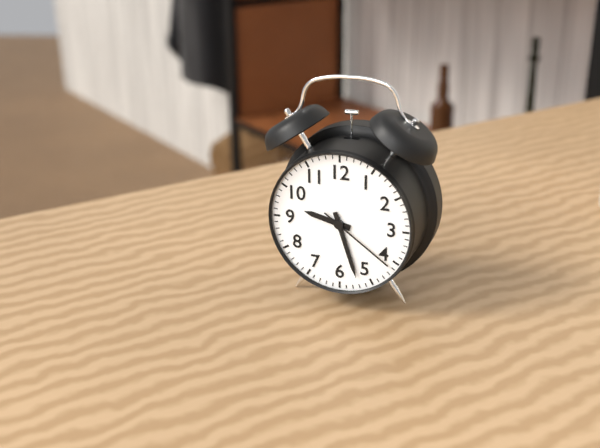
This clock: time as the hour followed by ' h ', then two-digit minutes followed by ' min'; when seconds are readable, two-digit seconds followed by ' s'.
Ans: 9 h 27 min 21 s
